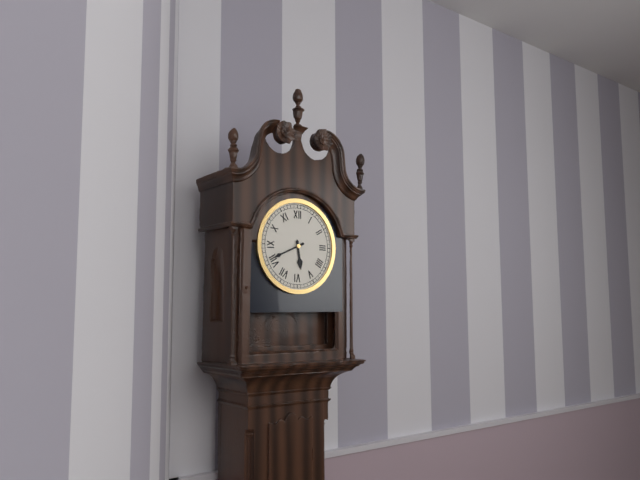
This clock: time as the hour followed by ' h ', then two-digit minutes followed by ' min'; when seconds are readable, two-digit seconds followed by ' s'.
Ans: 5 h 41 min
